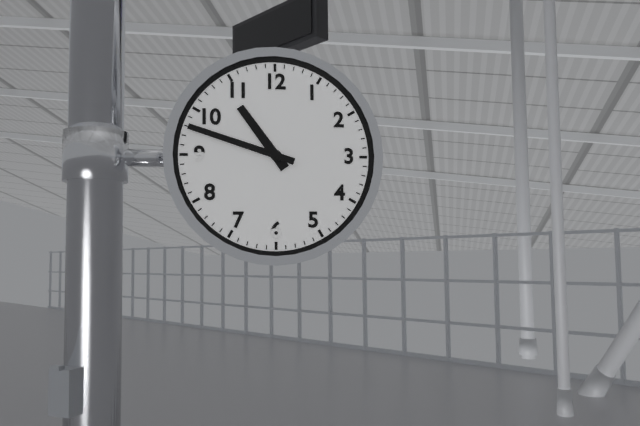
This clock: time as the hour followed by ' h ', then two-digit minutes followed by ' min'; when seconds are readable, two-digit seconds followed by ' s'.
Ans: 10 h 48 min
